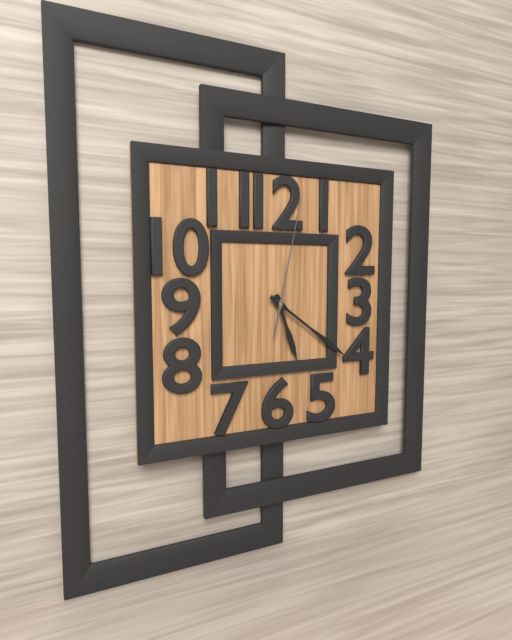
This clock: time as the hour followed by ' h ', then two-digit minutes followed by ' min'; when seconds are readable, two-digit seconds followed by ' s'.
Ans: 5 h 21 min 02 s
